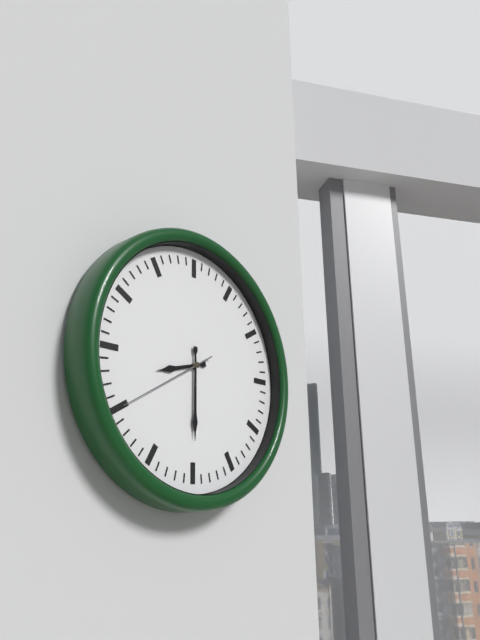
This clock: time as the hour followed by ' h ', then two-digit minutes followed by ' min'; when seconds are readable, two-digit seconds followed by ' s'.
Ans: 8 h 30 min 40 s
